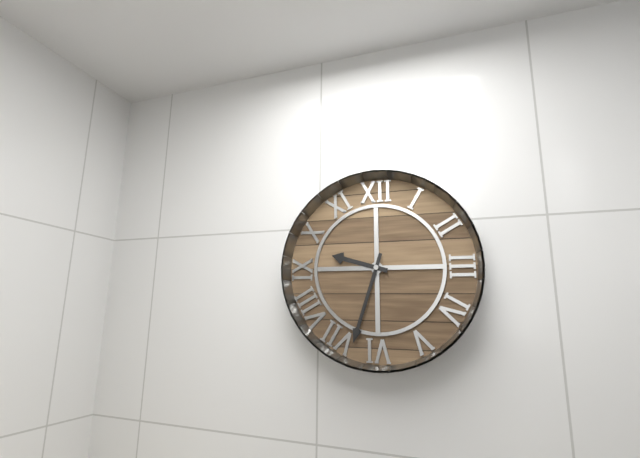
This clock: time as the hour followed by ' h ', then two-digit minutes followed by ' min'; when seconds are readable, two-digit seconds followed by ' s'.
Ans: 9 h 33 min
